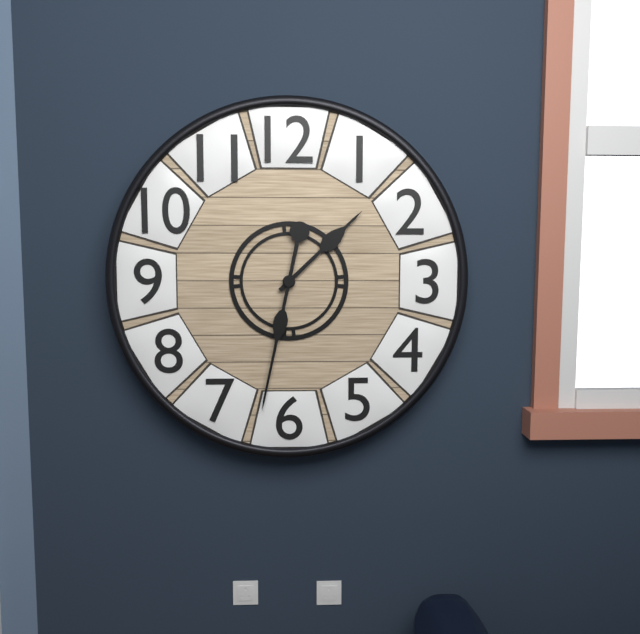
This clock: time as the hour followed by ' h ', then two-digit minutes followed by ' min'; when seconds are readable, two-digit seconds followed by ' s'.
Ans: 1 h 32 min
